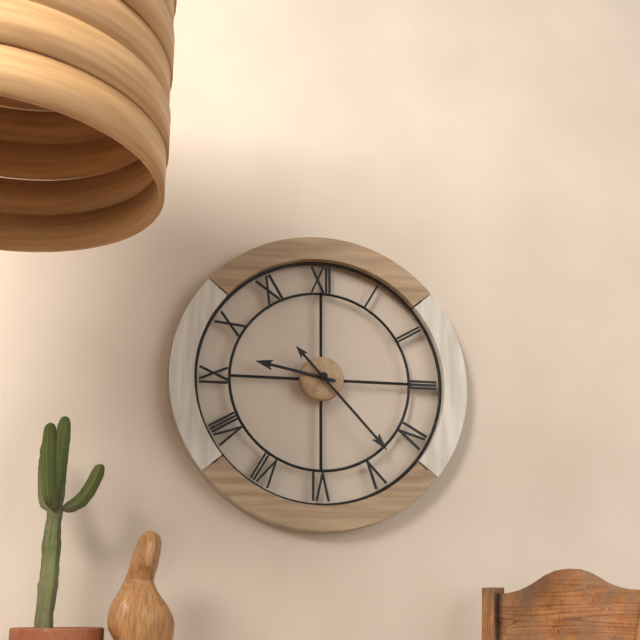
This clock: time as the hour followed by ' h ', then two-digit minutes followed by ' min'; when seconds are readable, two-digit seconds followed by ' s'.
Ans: 9 h 23 min
